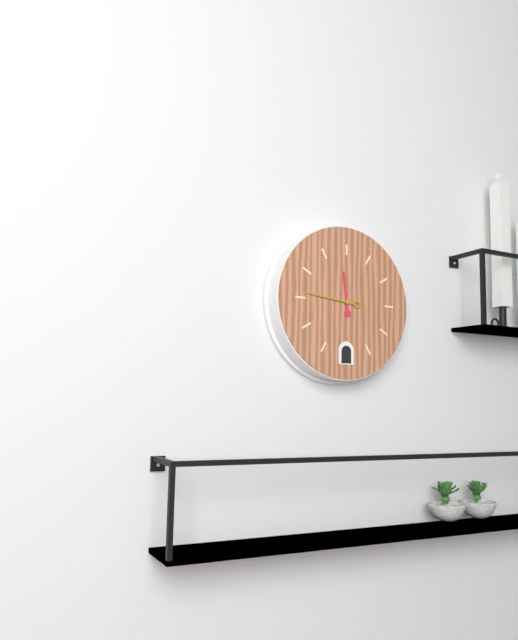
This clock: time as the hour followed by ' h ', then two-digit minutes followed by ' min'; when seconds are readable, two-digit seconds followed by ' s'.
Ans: 11 h 46 min
